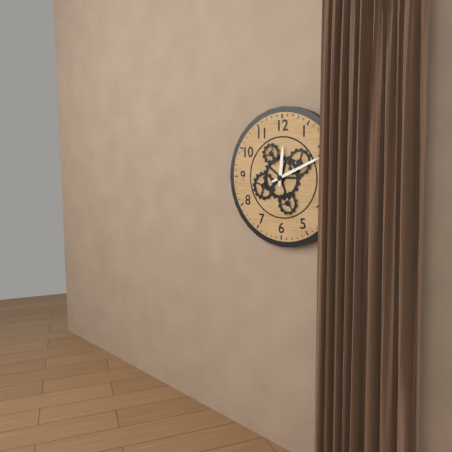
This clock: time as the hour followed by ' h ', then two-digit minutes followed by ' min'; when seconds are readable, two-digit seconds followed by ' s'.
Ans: 12 h 11 min
